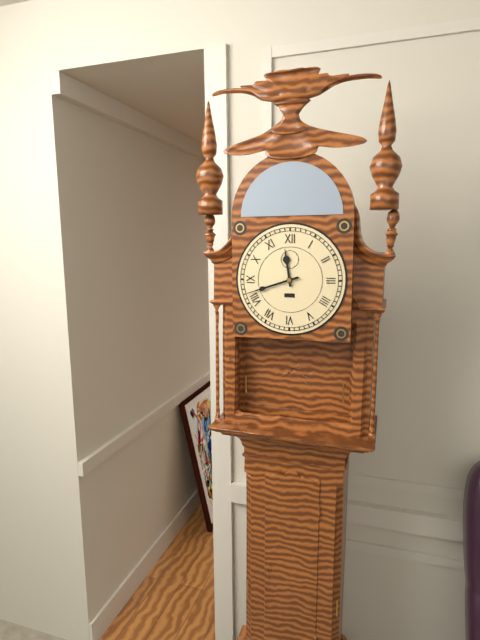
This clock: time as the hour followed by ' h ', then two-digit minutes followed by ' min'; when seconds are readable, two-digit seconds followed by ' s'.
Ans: 11 h 42 min
